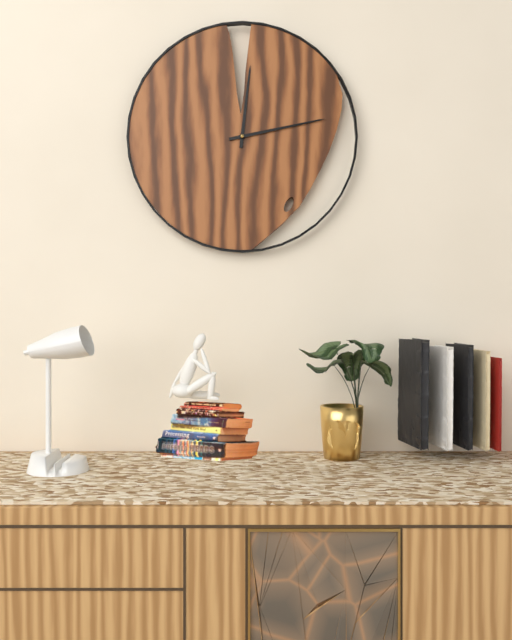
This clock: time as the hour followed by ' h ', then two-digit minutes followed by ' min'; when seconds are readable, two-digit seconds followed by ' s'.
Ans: 12 h 13 min
